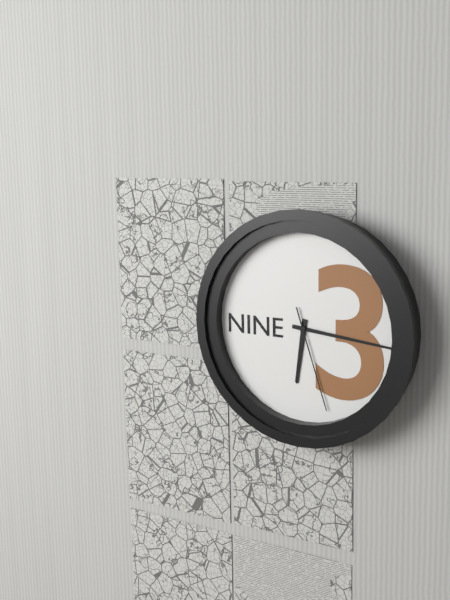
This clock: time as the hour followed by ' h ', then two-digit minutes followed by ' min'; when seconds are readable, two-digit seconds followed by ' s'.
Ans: 6 h 16 min 27 s
